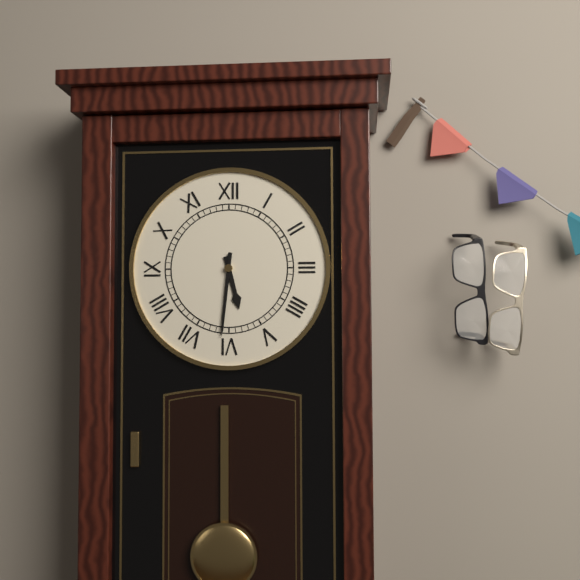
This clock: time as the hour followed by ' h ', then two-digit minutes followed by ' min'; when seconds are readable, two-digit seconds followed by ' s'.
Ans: 5 h 31 min
